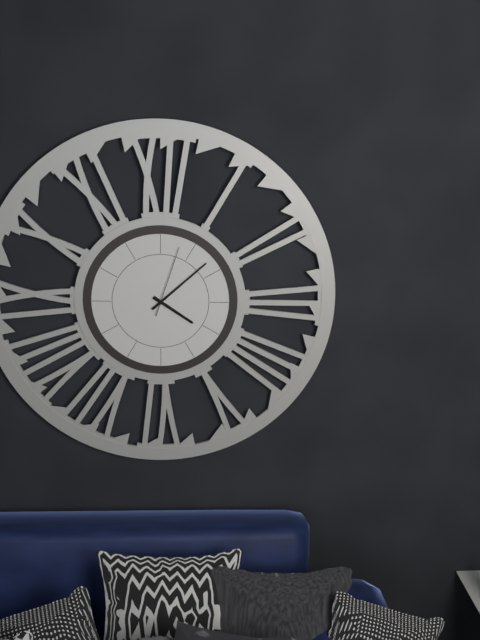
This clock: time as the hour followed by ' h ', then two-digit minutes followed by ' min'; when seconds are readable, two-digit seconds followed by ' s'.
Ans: 4 h 08 min 03 s
